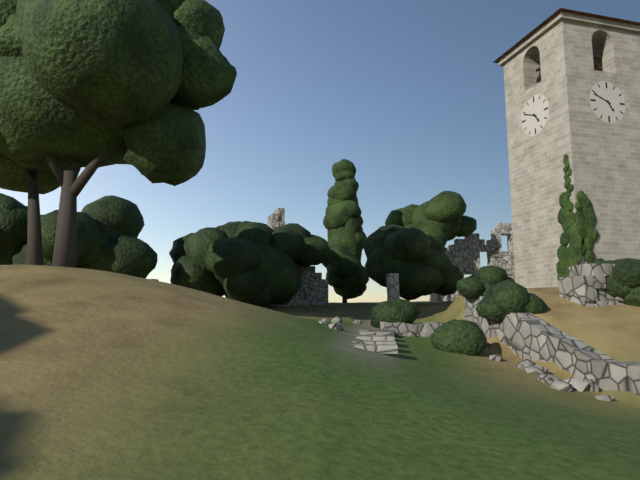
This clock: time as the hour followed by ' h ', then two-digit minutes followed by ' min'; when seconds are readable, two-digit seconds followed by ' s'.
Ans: 4 h 49 min
